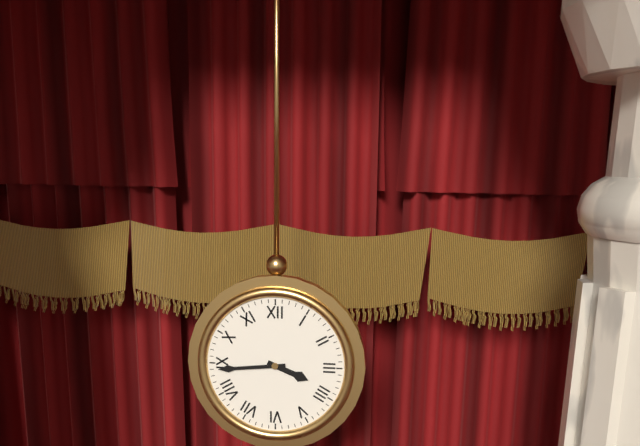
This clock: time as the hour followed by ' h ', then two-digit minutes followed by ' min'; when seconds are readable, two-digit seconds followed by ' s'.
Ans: 3 h 44 min
